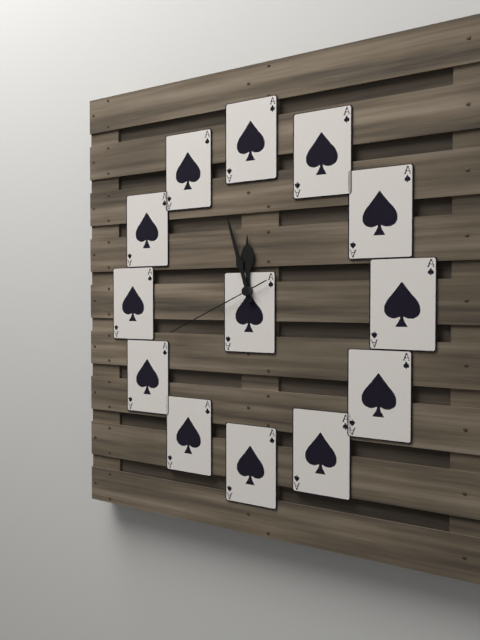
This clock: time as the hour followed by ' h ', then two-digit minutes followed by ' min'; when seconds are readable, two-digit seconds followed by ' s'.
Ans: 11 h 57 min 41 s
